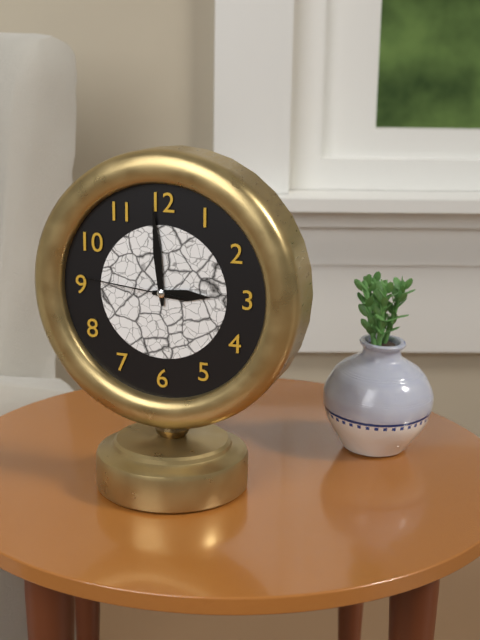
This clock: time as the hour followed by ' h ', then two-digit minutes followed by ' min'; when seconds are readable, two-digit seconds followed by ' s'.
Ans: 2 h 59 min 46 s
